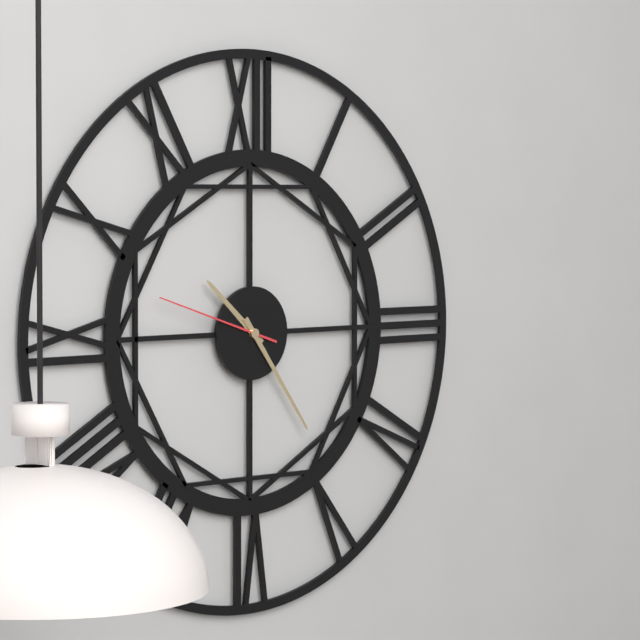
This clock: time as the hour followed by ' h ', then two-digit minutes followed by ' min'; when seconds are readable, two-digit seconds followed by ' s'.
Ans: 10 h 24 min 48 s
